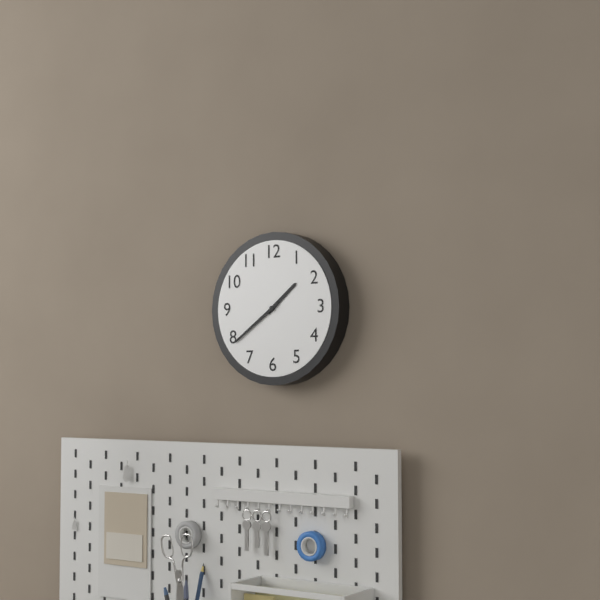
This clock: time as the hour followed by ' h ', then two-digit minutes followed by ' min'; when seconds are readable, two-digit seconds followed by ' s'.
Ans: 1 h 39 min
